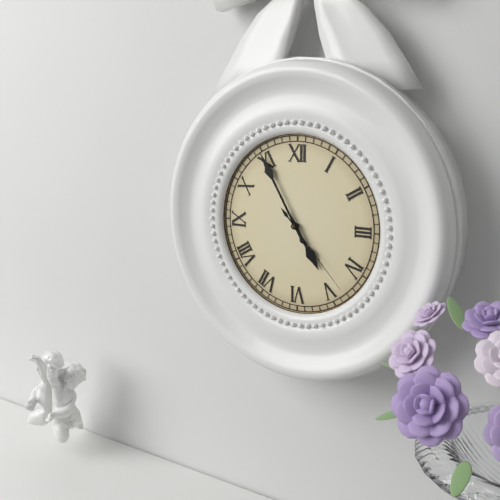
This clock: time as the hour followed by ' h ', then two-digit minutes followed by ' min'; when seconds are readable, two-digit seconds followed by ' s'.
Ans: 4 h 55 min 23 s
